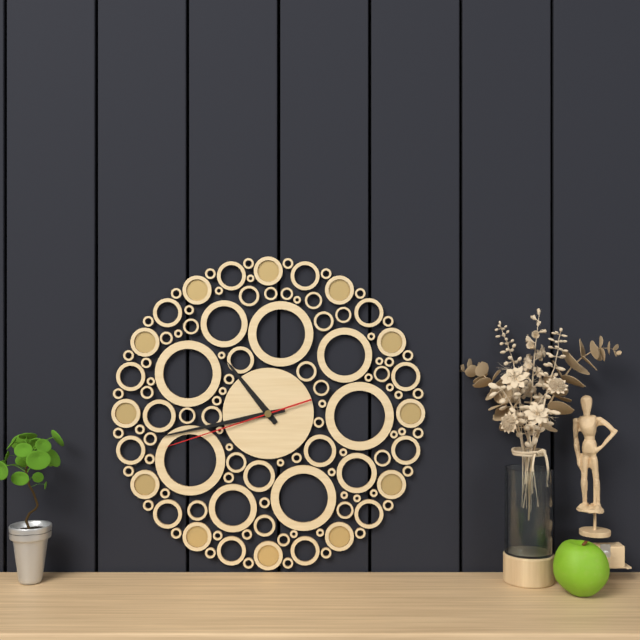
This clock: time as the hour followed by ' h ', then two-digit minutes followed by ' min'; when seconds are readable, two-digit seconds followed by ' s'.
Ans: 10 h 43 min 42 s
